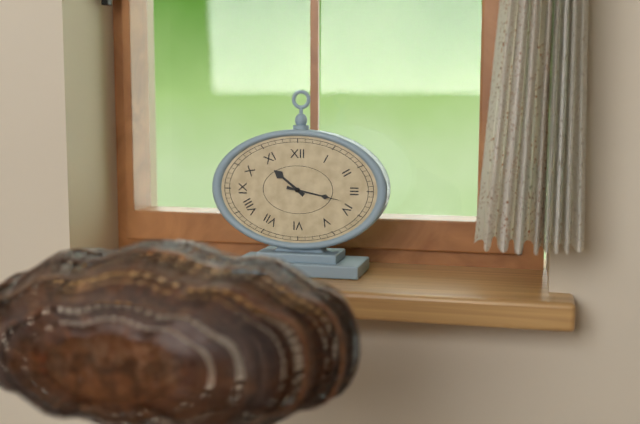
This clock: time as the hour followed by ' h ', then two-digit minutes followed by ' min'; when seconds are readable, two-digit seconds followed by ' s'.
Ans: 10 h 17 min
